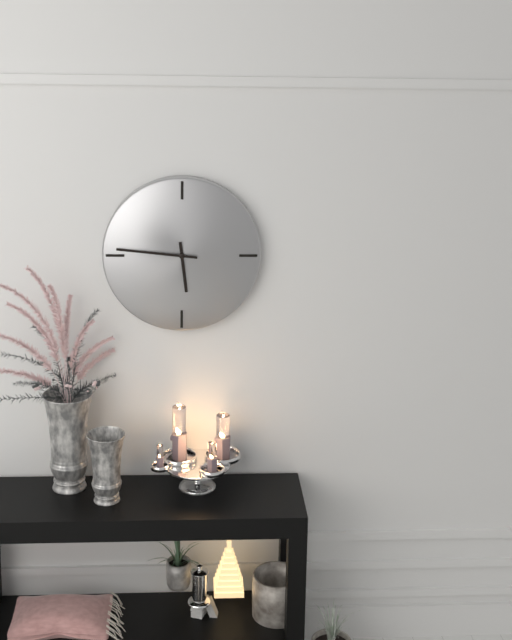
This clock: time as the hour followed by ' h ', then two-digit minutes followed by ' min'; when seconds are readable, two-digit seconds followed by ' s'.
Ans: 5 h 46 min
